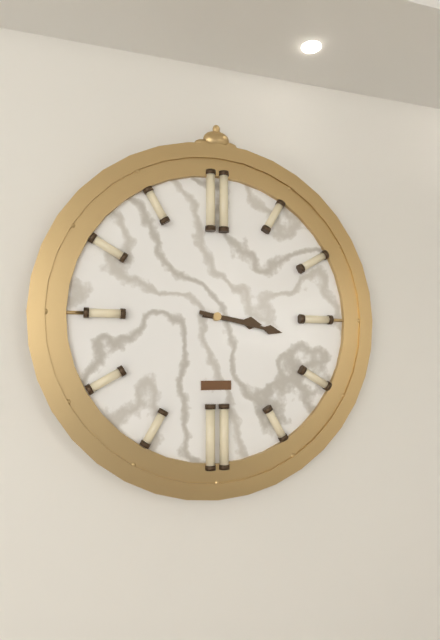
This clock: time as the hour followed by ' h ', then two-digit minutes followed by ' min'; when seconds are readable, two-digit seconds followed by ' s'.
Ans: 3 h 17 min
